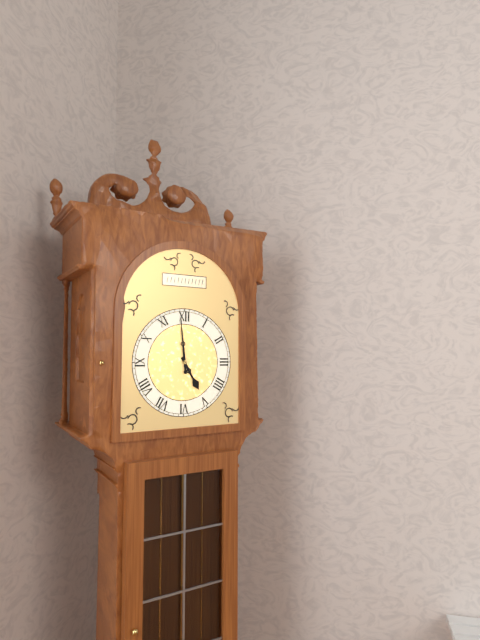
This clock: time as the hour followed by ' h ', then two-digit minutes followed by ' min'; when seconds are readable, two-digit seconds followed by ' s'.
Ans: 4 h 59 min
